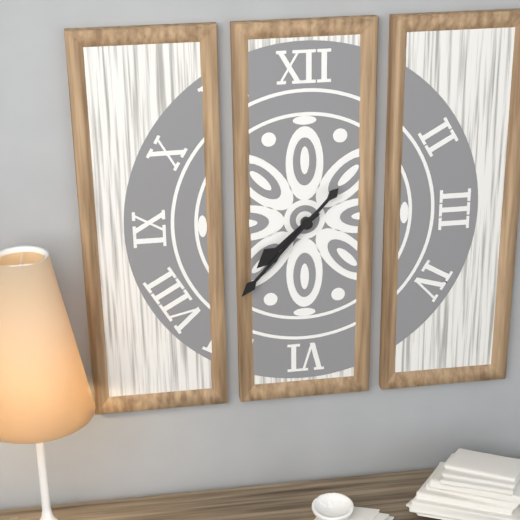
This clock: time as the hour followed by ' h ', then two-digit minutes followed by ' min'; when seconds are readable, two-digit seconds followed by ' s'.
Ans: 7 h 37 min
